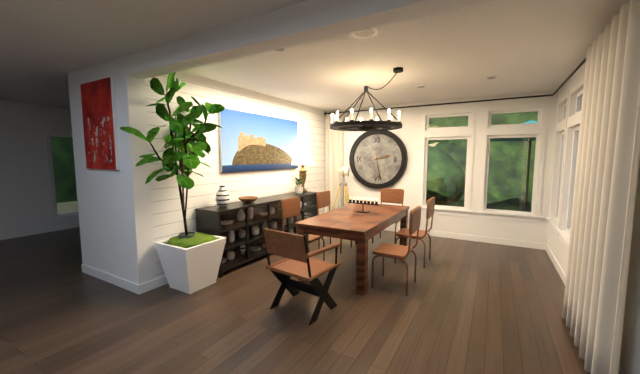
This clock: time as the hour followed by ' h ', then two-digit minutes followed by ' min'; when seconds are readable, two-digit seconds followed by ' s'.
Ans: 2 h 28 min
